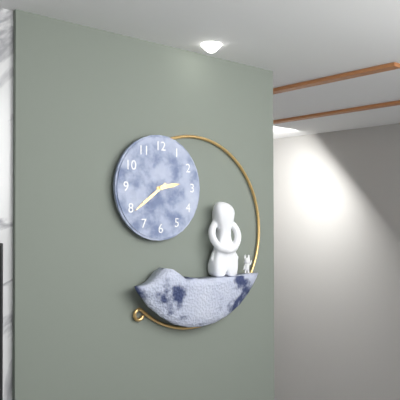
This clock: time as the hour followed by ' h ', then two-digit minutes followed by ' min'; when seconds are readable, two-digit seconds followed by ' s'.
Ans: 2 h 39 min
